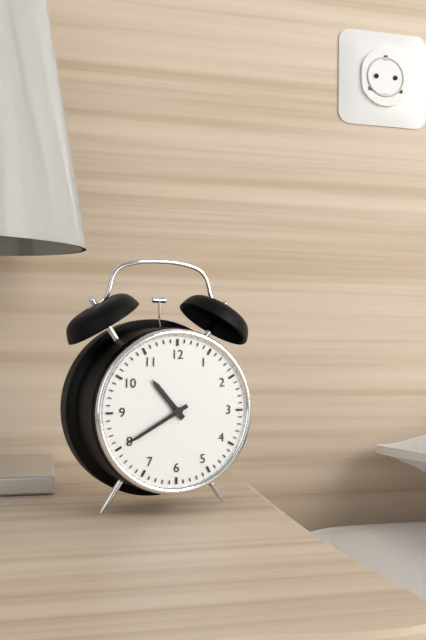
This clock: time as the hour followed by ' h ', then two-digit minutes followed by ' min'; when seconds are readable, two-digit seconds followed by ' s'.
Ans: 10 h 40 min
